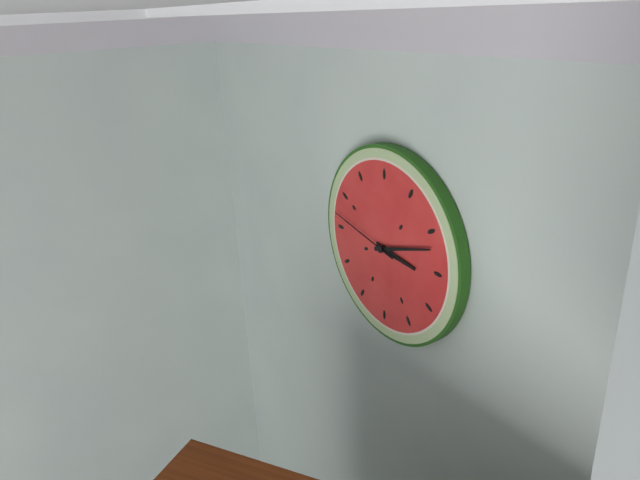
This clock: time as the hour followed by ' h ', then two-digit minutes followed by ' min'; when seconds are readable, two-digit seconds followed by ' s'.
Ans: 3 h 12 min 47 s
